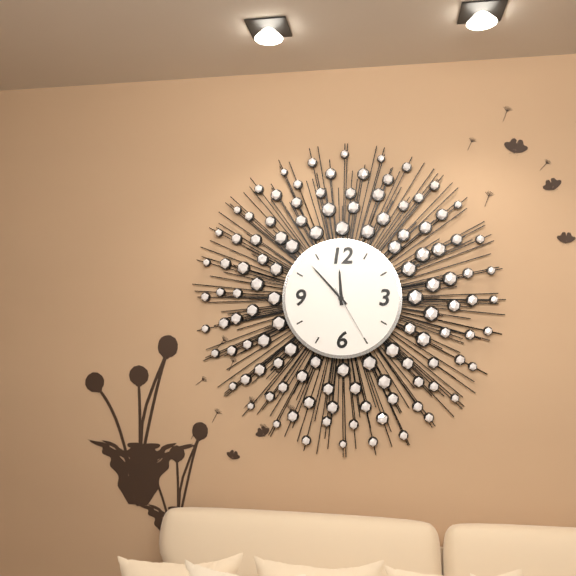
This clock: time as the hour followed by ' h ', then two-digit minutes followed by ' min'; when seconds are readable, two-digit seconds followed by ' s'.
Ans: 11 h 53 min 25 s
